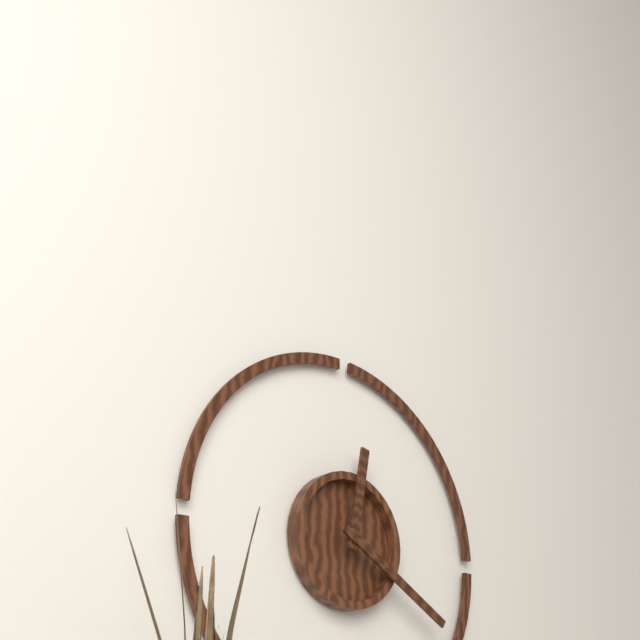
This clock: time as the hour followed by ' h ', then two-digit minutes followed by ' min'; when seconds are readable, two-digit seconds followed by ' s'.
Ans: 12 h 20 min
